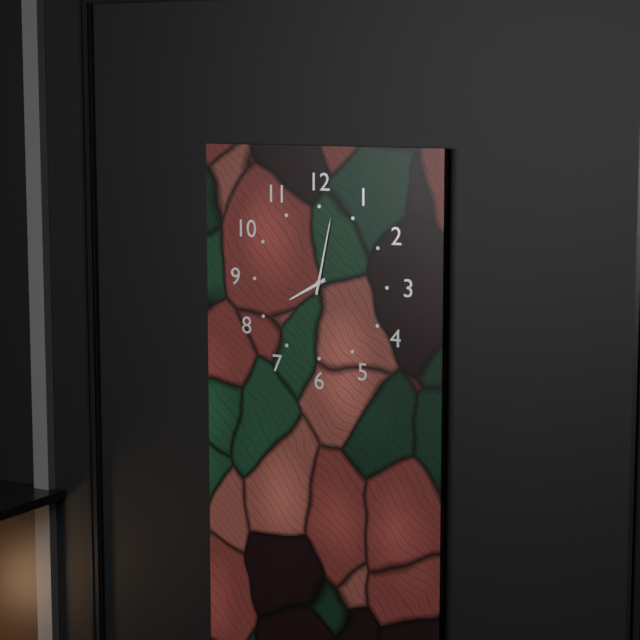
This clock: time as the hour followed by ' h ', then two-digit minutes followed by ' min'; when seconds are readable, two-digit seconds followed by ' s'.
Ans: 8 h 02 min
